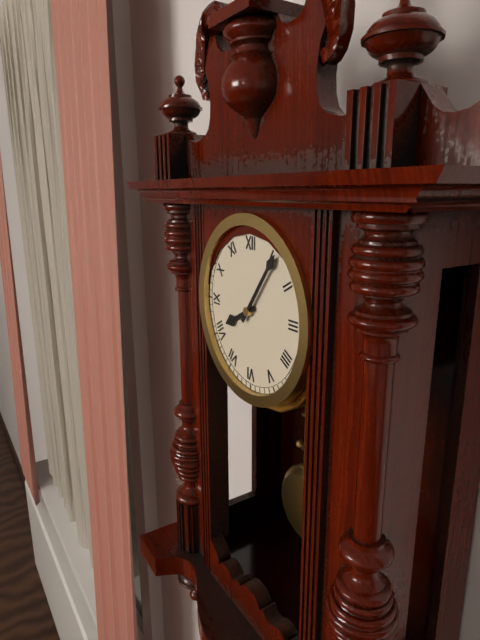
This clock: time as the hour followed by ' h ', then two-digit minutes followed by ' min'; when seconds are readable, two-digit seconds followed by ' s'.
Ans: 8 h 06 min
